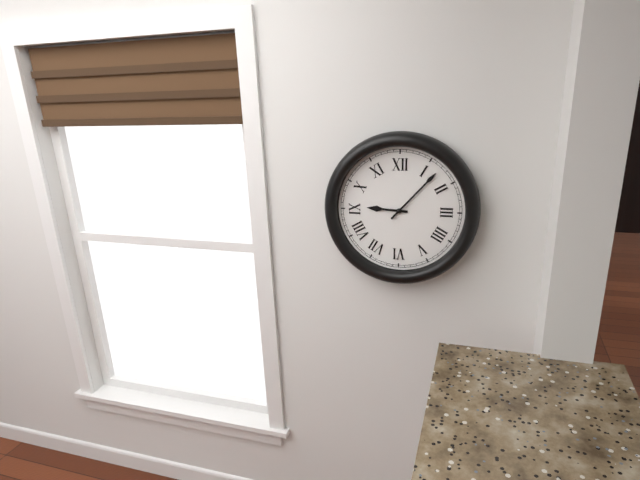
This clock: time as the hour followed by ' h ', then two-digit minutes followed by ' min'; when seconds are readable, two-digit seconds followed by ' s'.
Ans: 9 h 07 min
